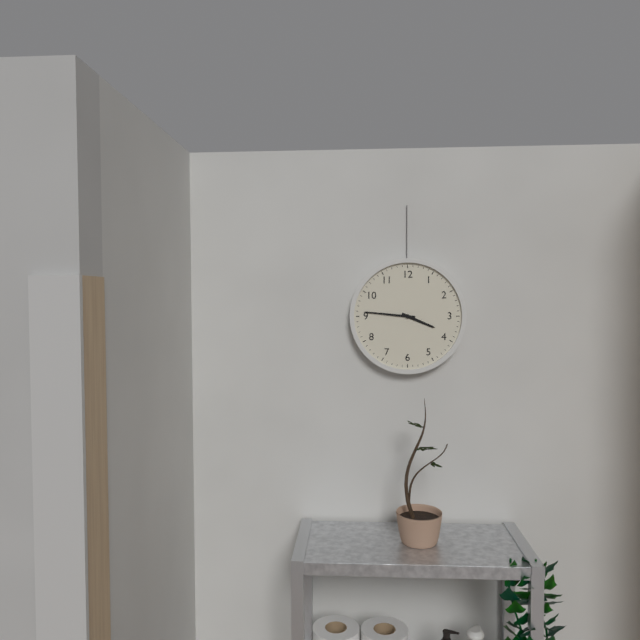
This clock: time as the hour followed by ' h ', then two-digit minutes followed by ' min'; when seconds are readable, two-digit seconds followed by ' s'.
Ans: 3 h 46 min
